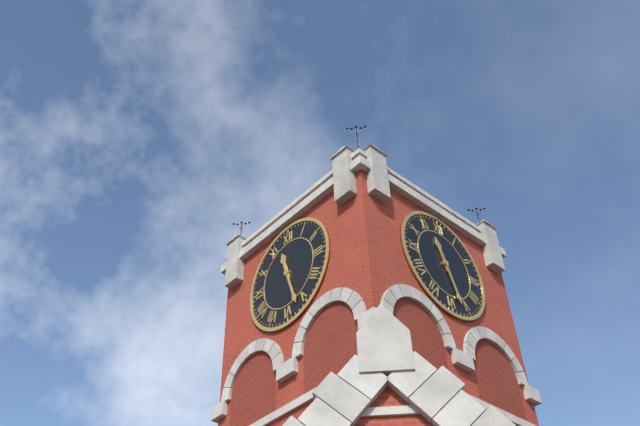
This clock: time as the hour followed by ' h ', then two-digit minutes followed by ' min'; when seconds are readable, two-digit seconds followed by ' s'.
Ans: 11 h 27 min
